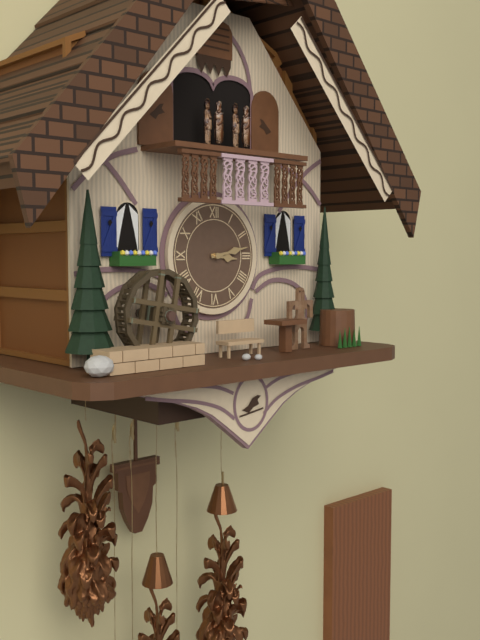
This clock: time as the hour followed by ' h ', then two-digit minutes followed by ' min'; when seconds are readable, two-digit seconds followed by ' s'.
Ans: 3 h 13 min
